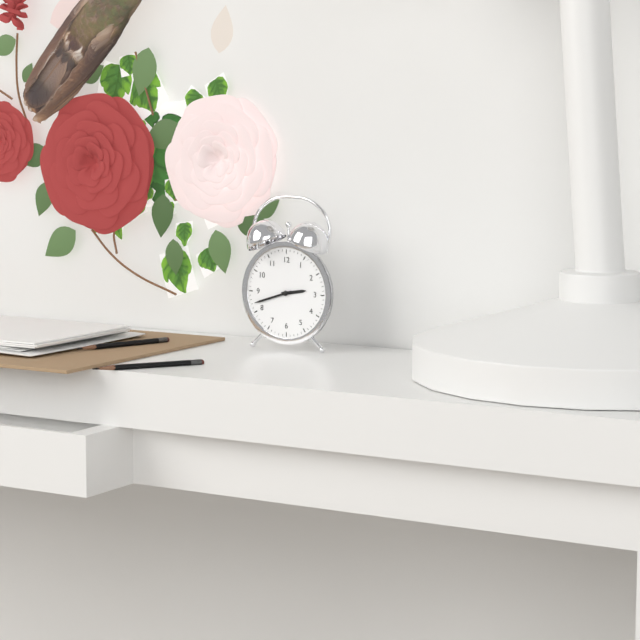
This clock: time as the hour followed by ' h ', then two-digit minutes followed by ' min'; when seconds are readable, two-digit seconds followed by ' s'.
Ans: 2 h 42 min
